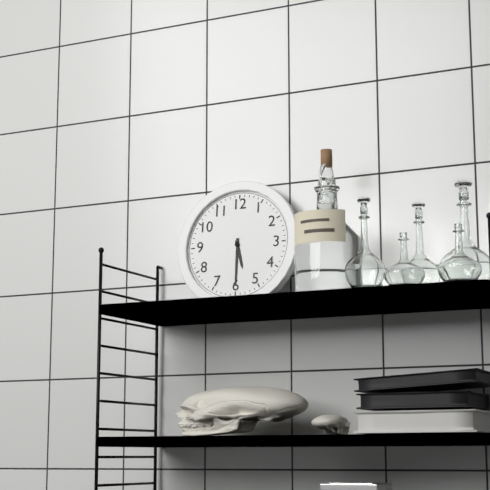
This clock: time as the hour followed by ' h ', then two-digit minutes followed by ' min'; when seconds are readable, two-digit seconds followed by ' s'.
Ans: 5 h 30 min
